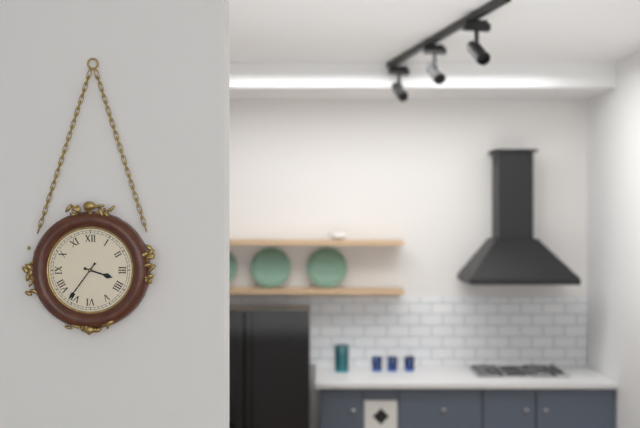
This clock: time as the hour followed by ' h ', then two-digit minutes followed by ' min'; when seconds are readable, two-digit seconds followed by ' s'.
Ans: 3 h 36 min
